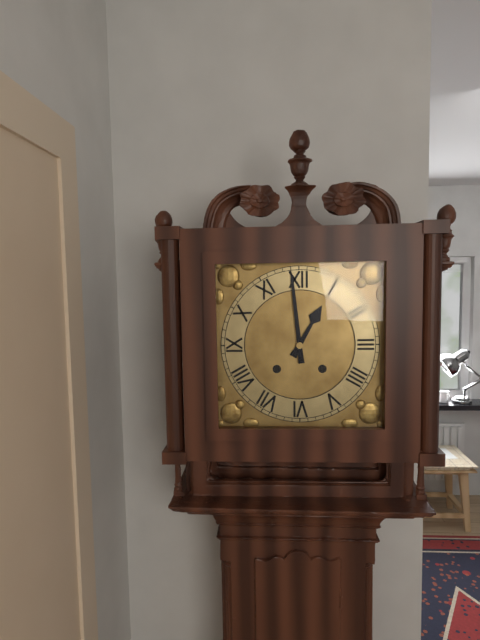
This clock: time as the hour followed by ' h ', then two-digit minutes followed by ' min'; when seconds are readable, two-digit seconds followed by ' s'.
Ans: 12 h 59 min
